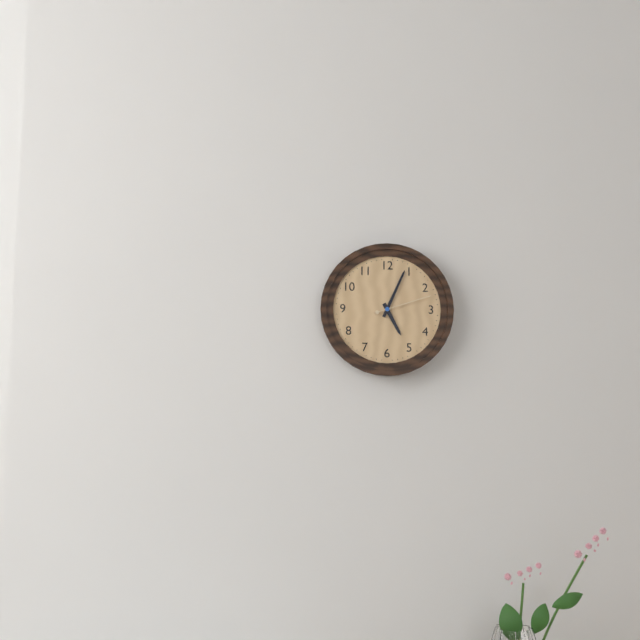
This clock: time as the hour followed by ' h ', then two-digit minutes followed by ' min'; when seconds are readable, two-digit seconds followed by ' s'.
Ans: 5 h 04 min 12 s
